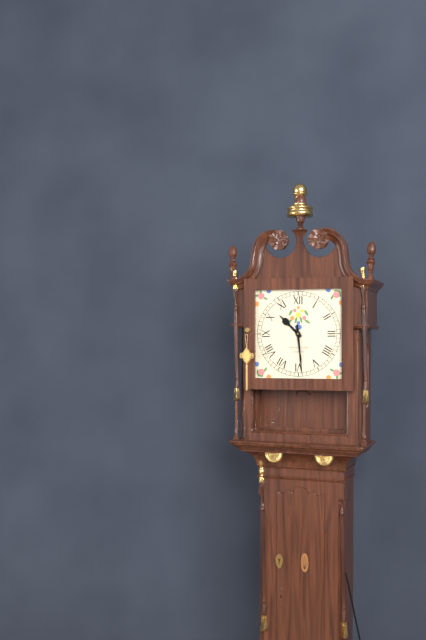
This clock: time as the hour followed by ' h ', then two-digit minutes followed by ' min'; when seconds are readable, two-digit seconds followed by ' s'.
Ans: 10 h 29 min
